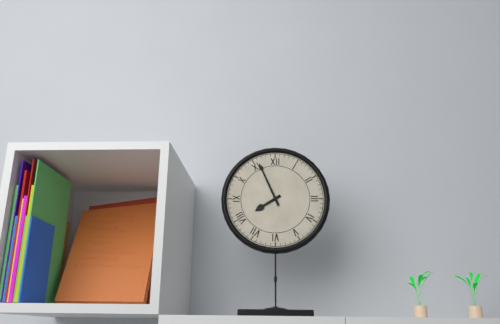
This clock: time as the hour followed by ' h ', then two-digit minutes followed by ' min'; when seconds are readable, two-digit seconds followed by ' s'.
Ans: 7 h 56 min
